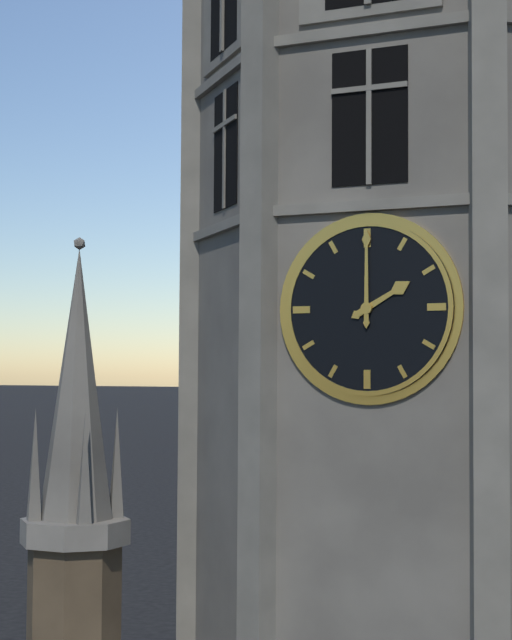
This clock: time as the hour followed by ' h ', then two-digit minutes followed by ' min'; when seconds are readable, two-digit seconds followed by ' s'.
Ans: 2 h 00 min
